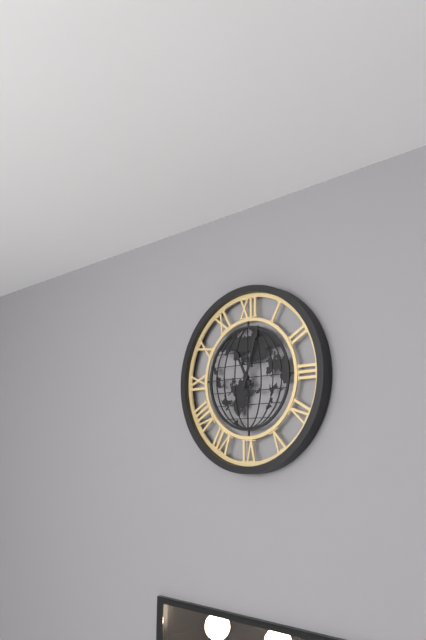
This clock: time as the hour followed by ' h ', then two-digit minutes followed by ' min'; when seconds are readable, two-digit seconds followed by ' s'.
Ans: 11 h 03 min
